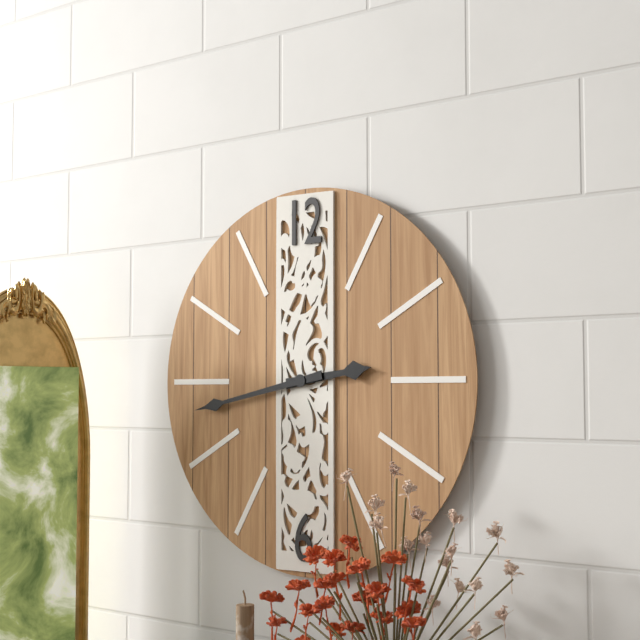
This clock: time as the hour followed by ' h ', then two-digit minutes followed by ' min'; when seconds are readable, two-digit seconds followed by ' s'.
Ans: 2 h 43 min
